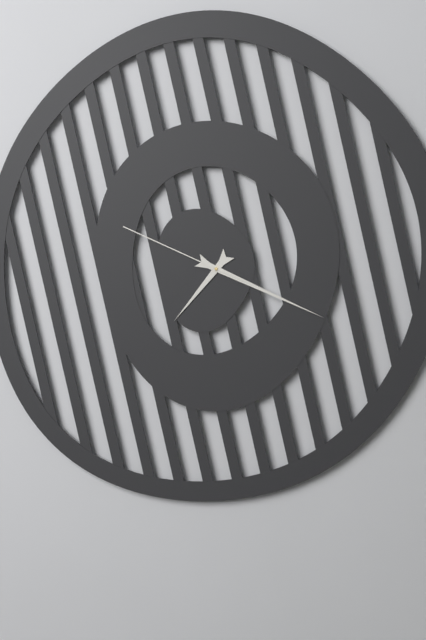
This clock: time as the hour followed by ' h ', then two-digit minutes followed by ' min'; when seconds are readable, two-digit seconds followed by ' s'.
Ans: 7 h 19 min 49 s
